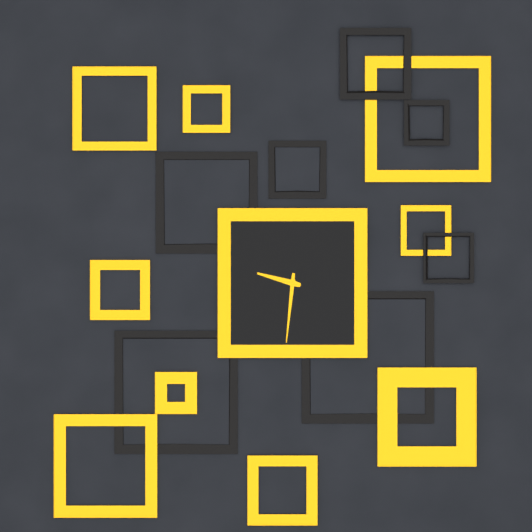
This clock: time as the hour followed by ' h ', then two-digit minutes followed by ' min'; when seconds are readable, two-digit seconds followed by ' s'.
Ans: 9 h 31 min
